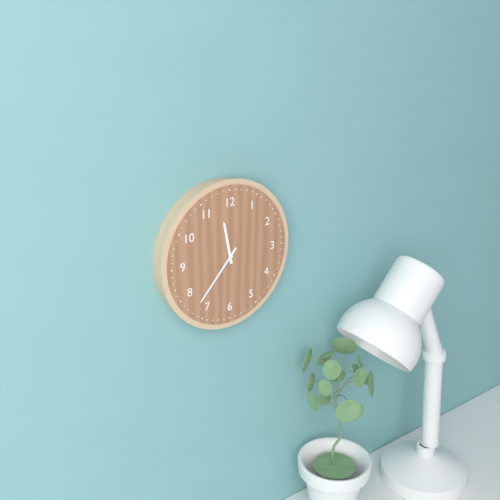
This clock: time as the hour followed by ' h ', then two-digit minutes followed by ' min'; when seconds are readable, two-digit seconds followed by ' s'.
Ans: 11 h 37 min
